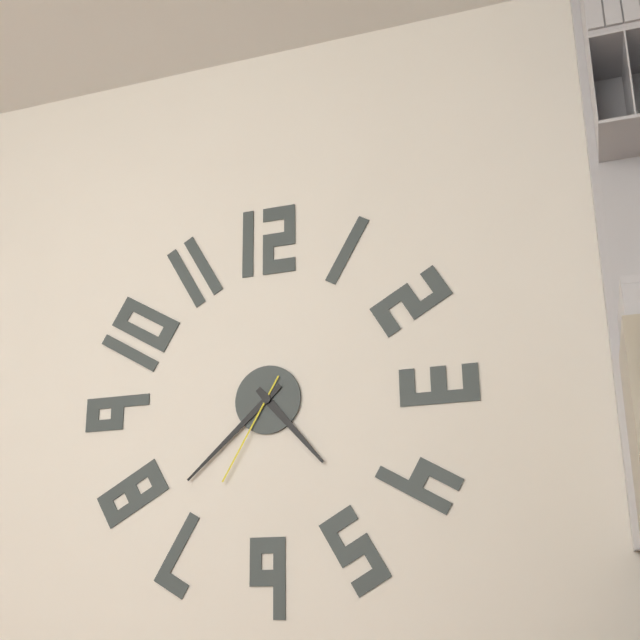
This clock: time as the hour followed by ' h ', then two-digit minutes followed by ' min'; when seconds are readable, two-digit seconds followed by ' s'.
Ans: 4 h 38 min 35 s
